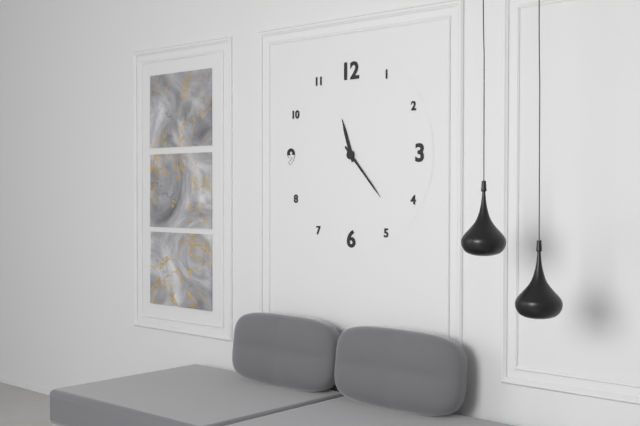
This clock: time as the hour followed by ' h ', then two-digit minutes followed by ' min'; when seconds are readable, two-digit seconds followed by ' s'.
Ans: 11 h 23 min
